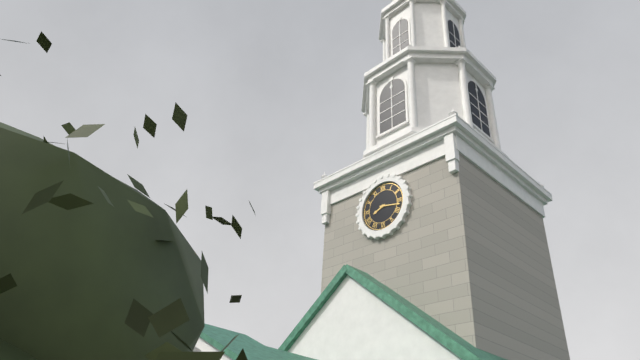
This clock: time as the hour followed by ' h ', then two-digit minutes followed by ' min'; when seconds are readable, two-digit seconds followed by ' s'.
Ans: 8 h 17 min
